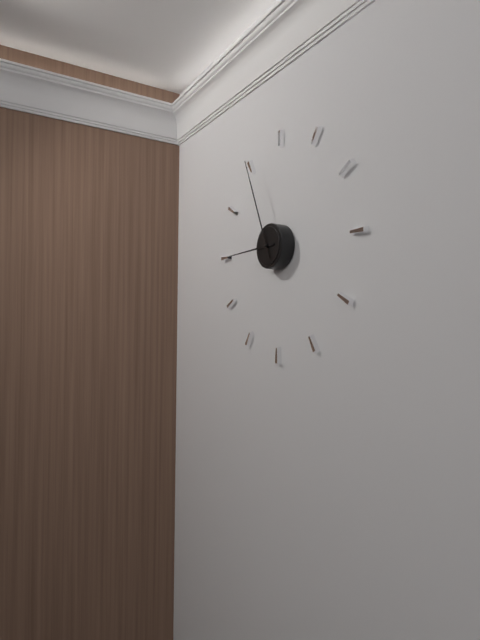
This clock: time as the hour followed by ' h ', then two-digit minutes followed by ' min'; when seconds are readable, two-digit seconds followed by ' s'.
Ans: 8 h 56 min
